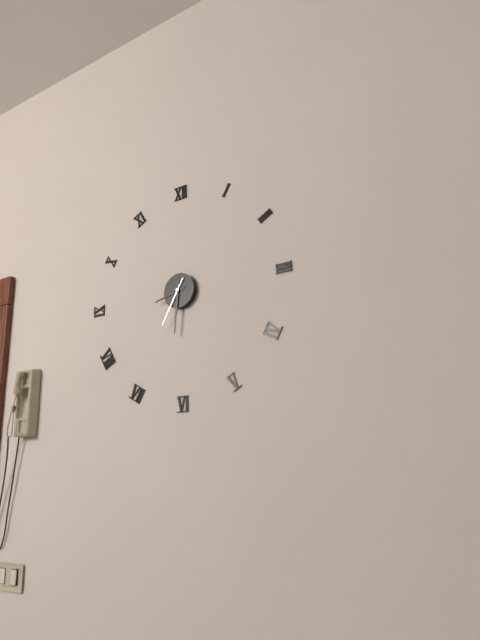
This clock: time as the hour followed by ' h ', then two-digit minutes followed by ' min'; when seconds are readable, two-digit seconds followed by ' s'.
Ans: 8 h 31 min
